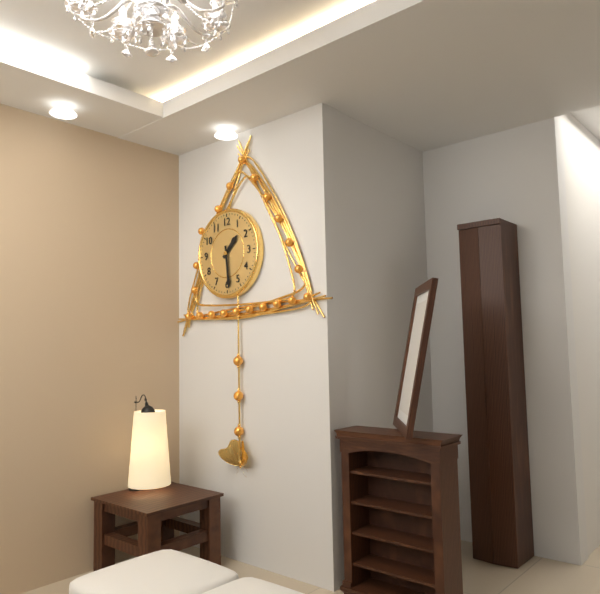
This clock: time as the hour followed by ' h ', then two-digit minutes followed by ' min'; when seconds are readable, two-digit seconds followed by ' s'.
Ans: 1 h 29 min
